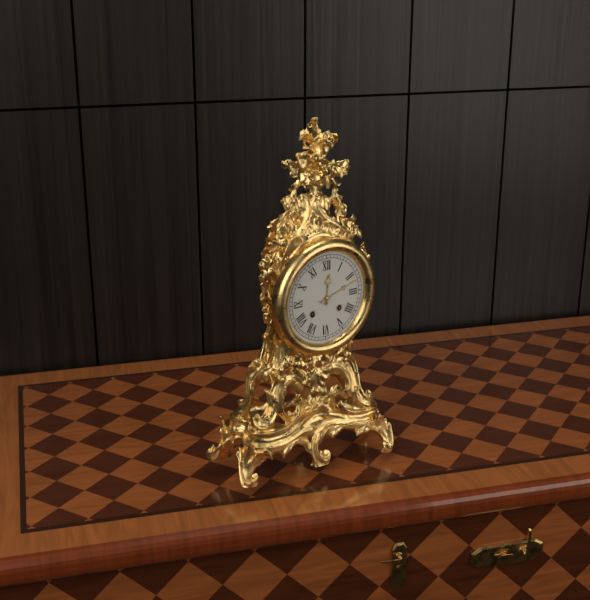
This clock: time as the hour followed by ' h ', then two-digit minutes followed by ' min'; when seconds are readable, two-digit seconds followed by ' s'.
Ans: 12 h 12 min
